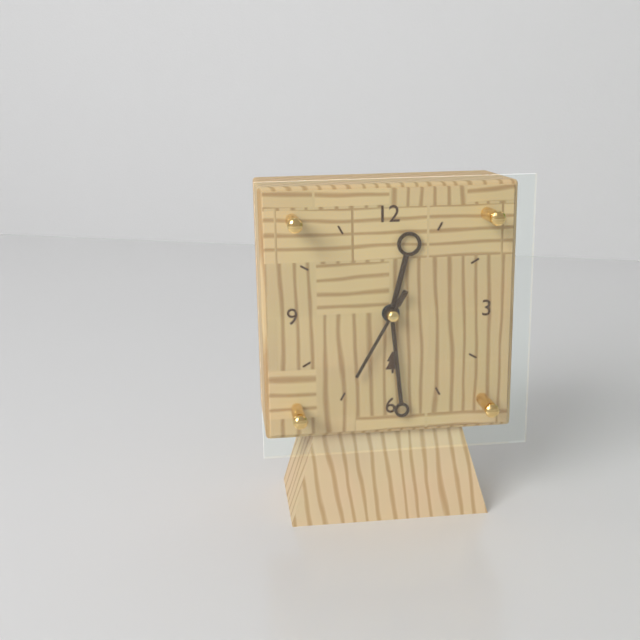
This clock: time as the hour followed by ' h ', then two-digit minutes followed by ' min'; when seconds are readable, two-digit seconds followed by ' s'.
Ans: 12 h 29 min 35 s
